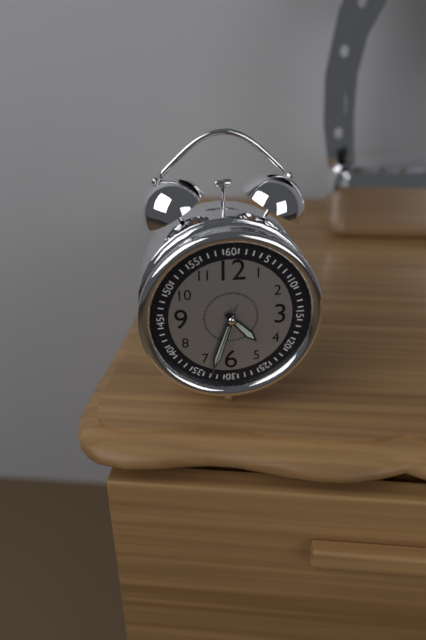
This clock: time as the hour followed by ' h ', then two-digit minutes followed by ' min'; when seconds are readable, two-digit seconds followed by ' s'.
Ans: 4 h 33 min 33 s
